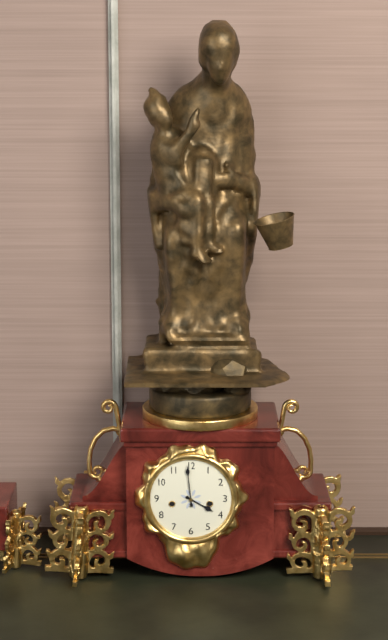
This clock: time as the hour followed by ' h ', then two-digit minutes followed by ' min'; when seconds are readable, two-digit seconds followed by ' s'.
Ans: 3 h 59 min
